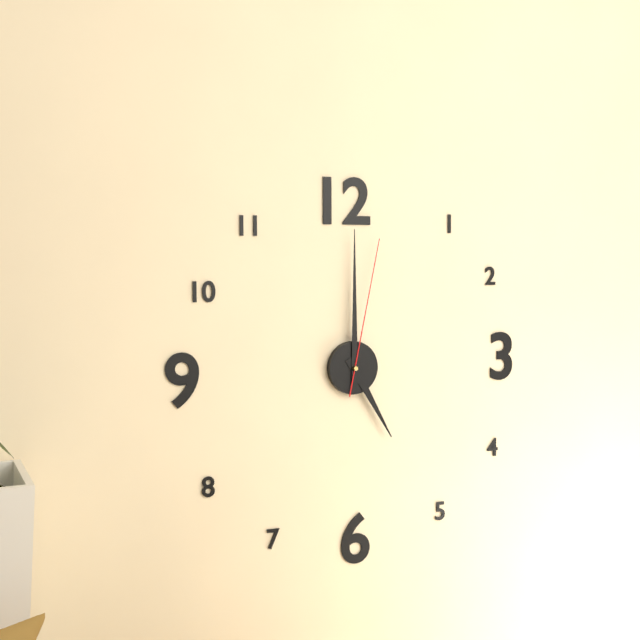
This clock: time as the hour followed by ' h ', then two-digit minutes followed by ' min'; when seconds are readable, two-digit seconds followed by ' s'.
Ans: 5 h 00 min 02 s
